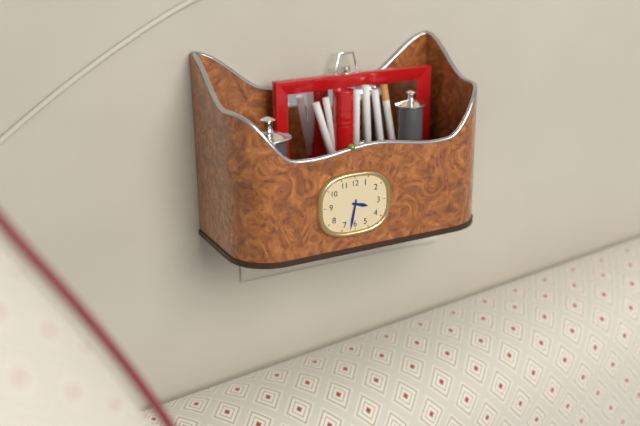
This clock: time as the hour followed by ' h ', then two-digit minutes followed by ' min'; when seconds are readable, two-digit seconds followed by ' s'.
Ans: 3 h 32 min
